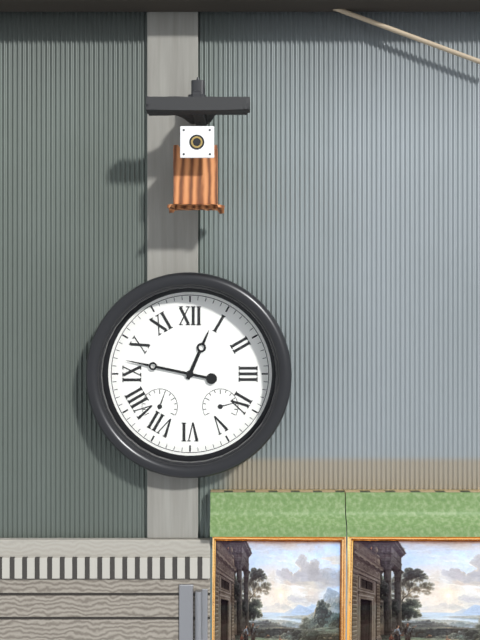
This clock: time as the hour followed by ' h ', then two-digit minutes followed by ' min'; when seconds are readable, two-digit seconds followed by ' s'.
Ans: 12 h 47 min
